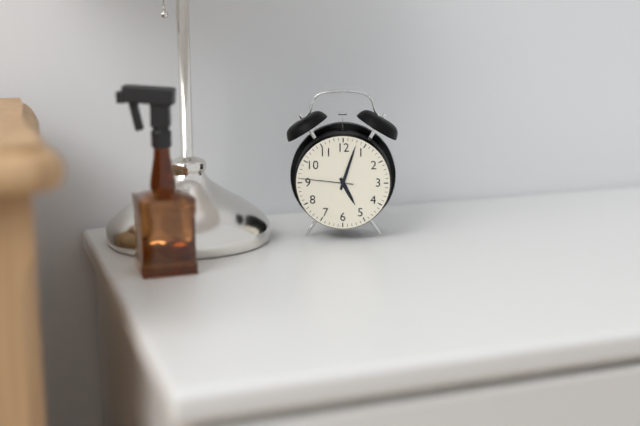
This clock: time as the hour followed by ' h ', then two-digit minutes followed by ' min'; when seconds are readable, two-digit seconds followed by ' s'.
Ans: 5 h 03 min 46 s
